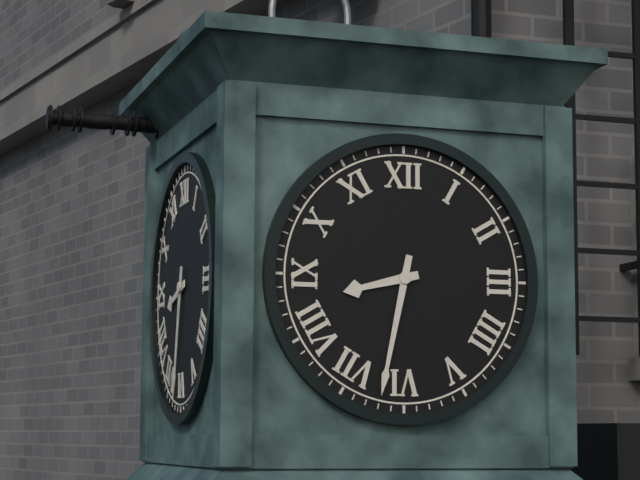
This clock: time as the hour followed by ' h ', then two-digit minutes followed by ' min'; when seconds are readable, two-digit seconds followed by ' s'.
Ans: 8 h 32 min
